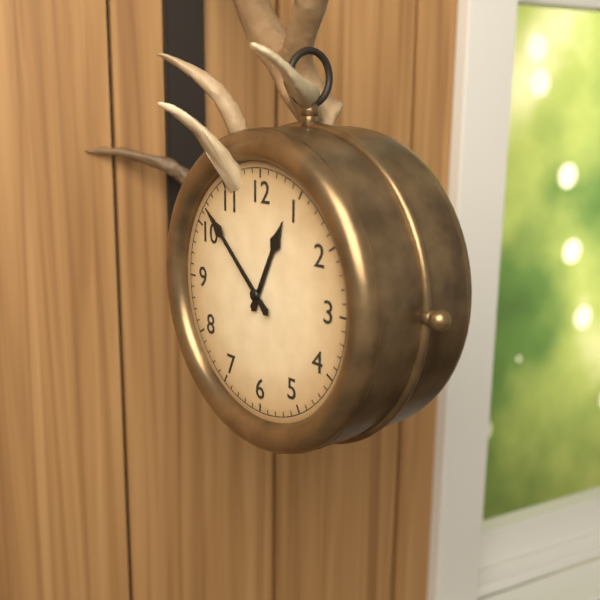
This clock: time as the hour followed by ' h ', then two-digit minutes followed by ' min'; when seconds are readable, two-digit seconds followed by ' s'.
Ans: 12 h 52 min
